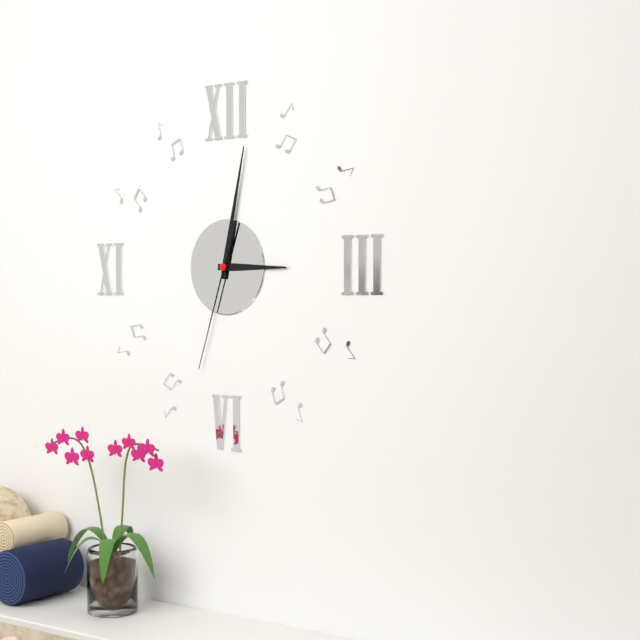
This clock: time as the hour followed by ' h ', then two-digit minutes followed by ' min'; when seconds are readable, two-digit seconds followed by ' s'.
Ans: 3 h 02 min 33 s
